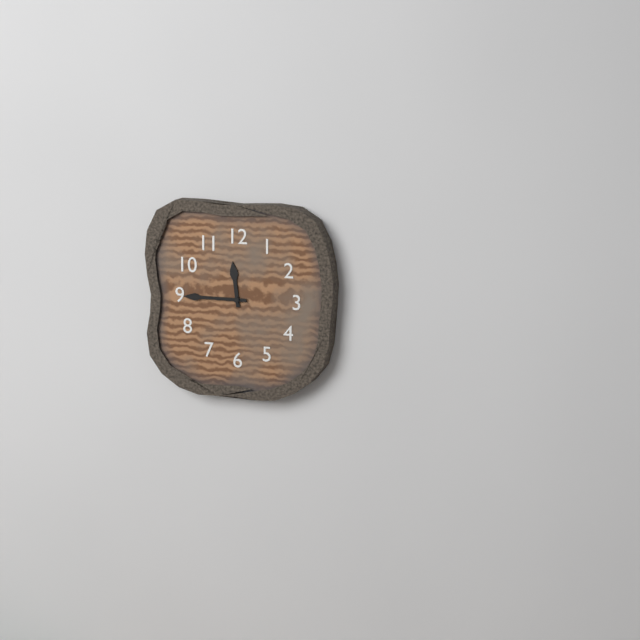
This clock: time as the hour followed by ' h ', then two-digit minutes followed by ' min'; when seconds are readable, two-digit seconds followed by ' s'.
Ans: 11 h 45 min
